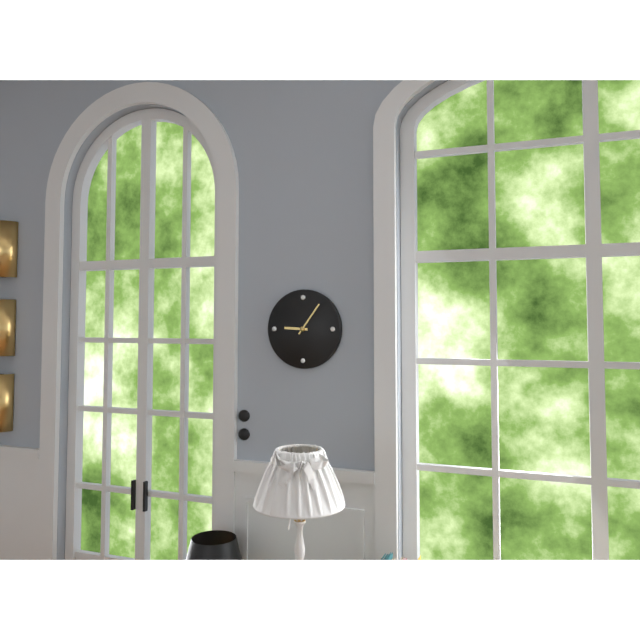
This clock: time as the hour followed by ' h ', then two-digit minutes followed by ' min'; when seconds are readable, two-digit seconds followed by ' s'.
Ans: 9 h 06 min
